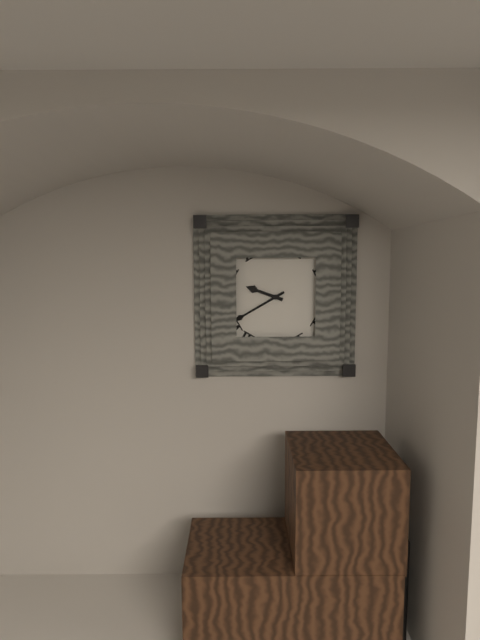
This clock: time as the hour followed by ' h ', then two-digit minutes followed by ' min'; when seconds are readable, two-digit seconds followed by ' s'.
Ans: 9 h 40 min
